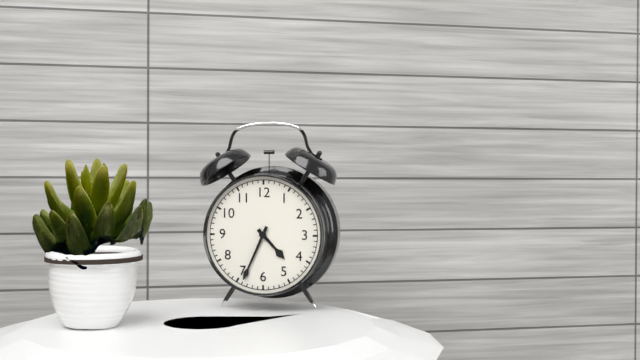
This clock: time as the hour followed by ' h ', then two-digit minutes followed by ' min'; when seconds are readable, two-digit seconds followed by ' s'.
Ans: 4 h 34 min
